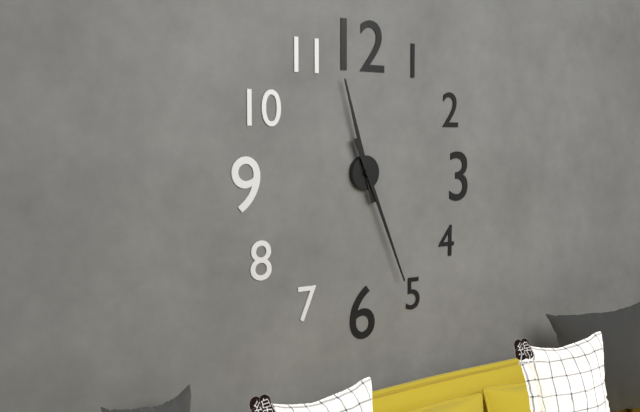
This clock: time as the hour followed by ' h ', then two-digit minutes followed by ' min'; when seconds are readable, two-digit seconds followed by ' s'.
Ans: 11 h 26 min
